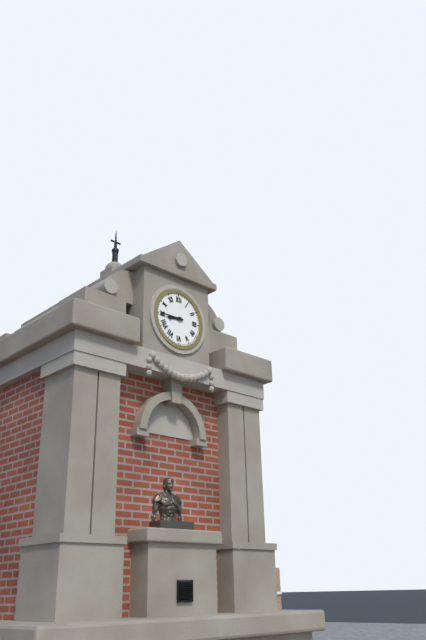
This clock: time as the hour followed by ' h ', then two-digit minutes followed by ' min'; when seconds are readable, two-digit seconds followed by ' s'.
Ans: 8 h 45 min
